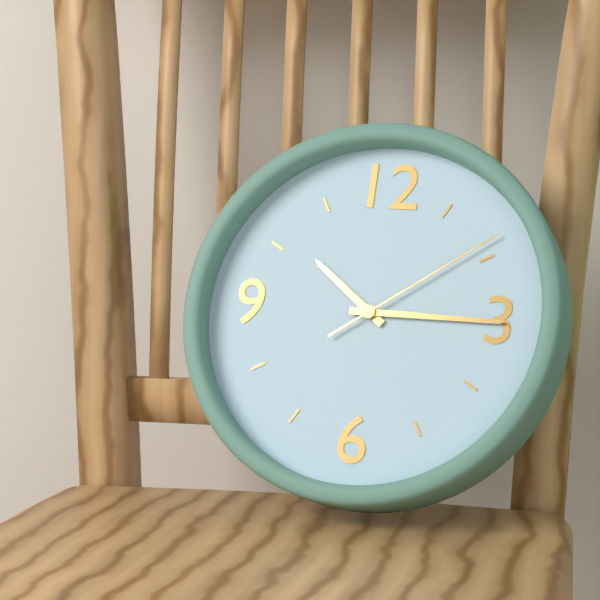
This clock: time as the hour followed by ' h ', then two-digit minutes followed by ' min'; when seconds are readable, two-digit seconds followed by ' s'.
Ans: 10 h 15 min 09 s
